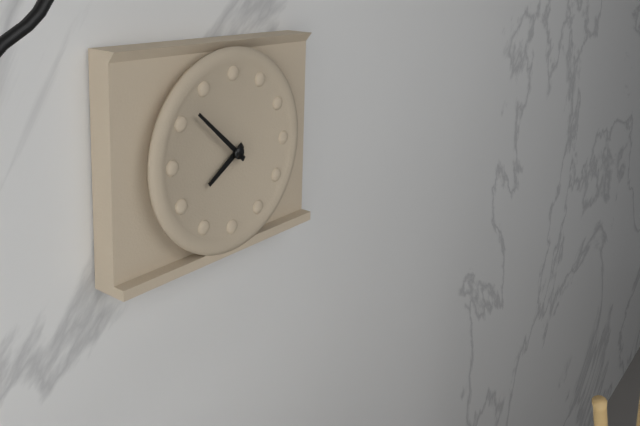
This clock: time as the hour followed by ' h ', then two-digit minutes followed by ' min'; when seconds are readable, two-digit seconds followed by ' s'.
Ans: 7 h 52 min
